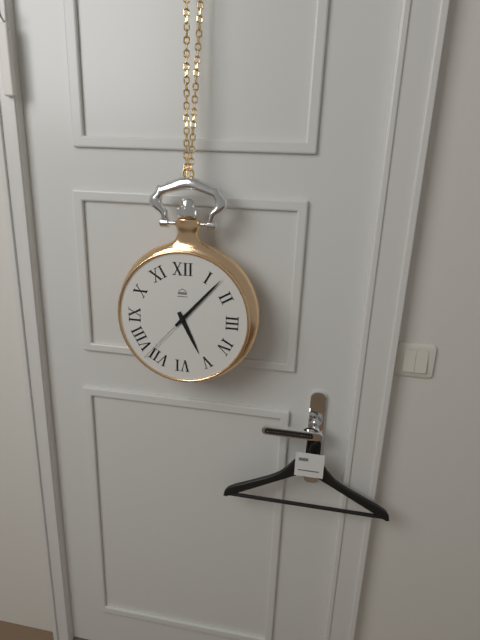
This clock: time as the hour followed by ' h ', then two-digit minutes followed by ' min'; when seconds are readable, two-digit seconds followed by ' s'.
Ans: 5 h 07 min 37 s
